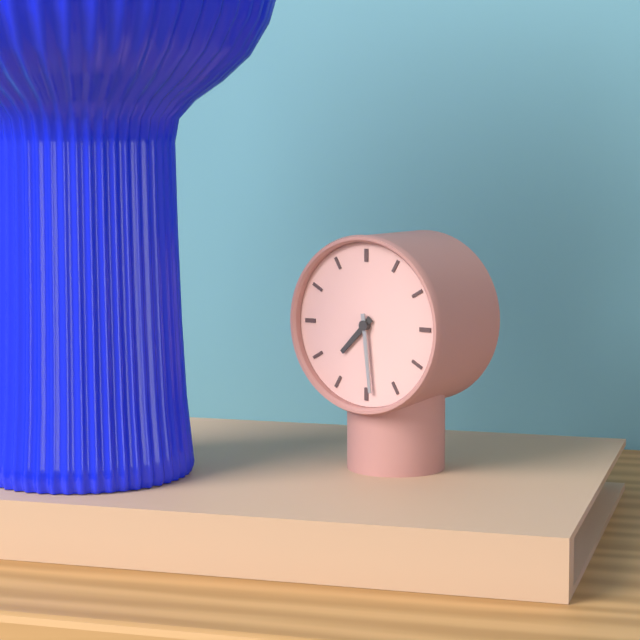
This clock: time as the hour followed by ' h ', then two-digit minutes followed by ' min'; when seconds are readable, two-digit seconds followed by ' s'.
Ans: 7 h 29 min
